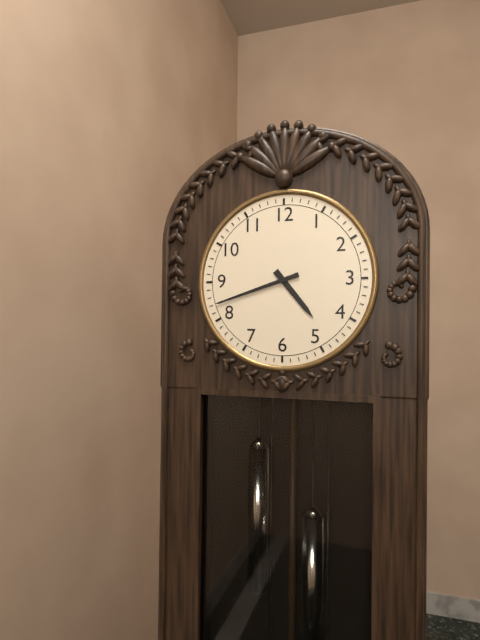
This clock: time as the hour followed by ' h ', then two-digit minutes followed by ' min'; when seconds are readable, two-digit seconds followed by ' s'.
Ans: 4 h 42 min
